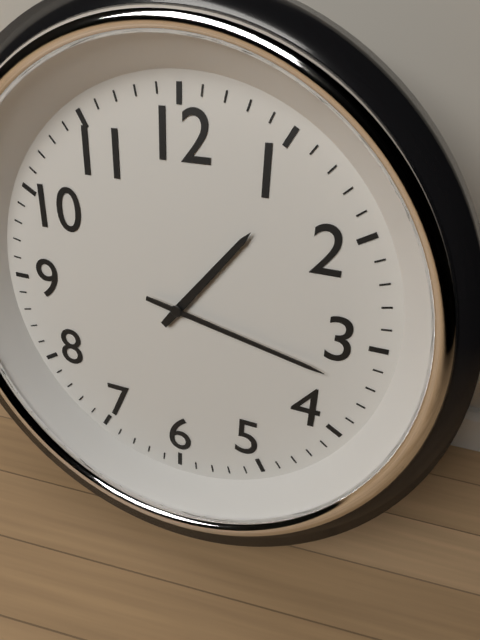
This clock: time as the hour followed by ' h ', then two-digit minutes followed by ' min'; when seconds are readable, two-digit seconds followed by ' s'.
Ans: 1 h 17 min
